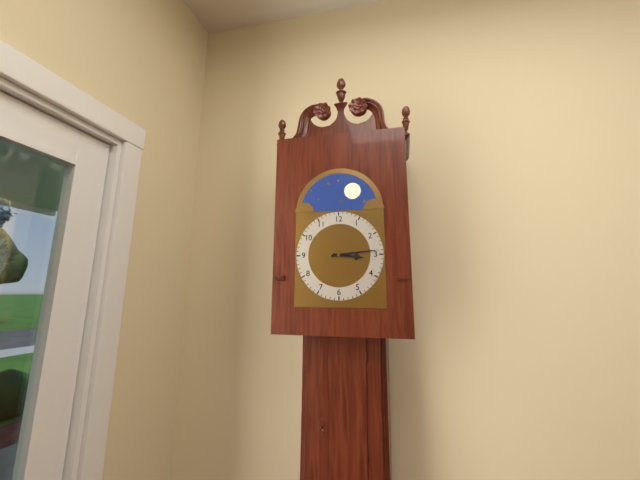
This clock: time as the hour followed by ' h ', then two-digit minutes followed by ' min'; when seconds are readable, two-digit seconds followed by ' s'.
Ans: 3 h 14 min
